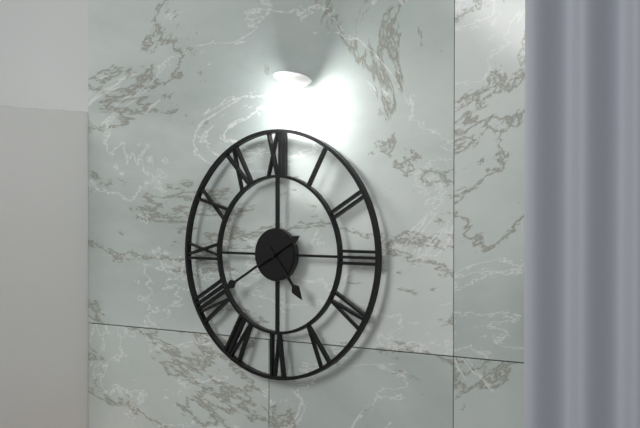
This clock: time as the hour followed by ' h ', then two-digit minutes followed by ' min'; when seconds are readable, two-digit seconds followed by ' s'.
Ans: 4 h 40 min
